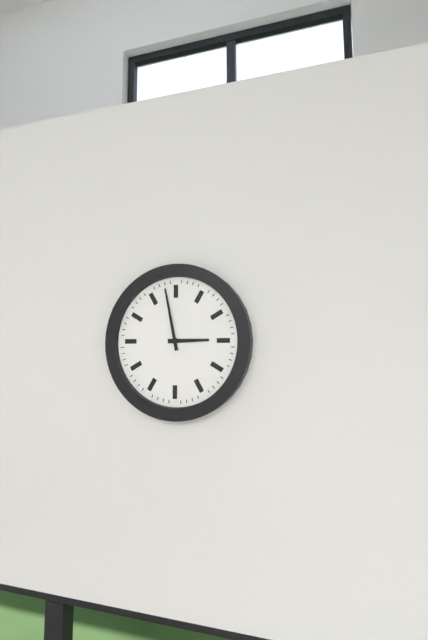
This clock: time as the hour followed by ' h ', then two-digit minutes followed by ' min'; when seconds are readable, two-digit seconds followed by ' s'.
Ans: 2 h 58 min
